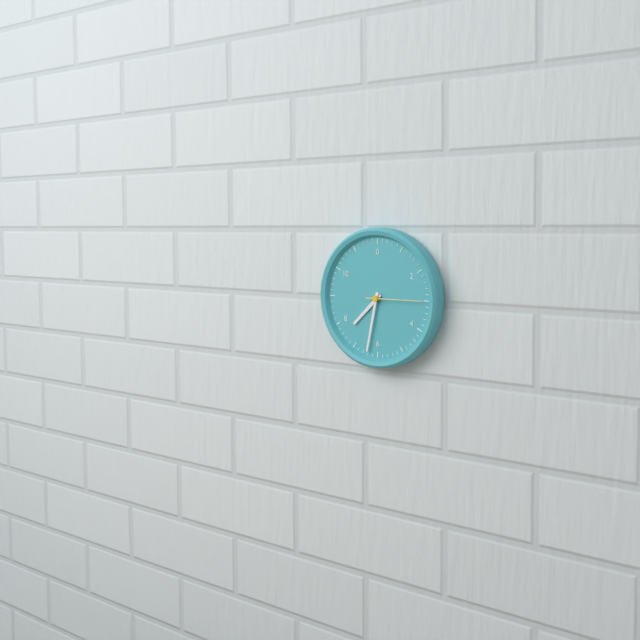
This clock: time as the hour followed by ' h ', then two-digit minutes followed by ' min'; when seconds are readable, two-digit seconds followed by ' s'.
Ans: 7 h 32 min
